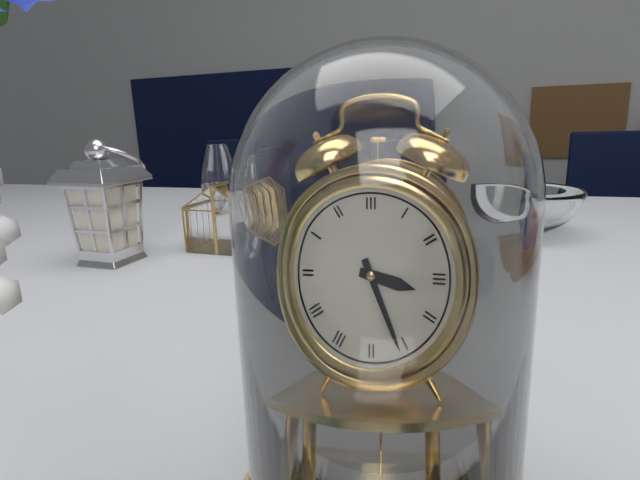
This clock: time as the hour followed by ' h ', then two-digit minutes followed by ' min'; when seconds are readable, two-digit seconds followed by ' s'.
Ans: 3 h 26 min
